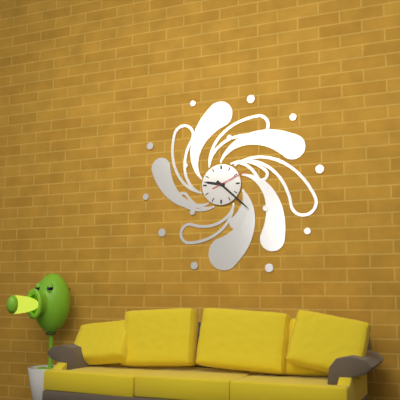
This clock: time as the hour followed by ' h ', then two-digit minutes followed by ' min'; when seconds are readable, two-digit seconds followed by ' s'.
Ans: 9 h 22 min
